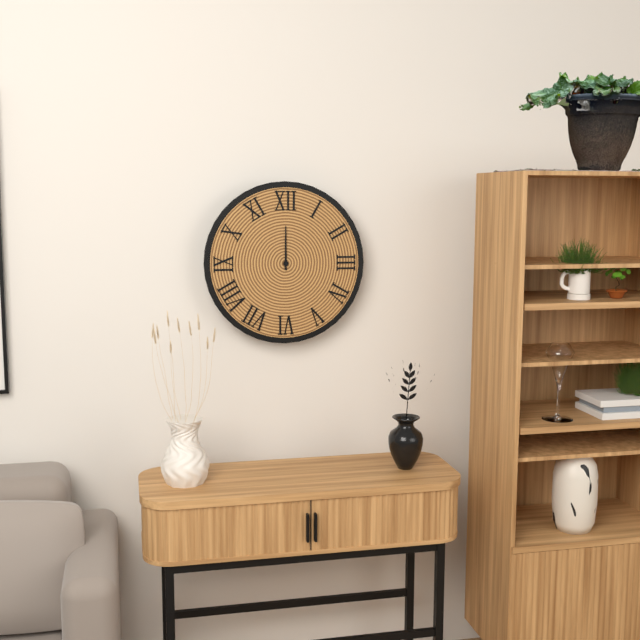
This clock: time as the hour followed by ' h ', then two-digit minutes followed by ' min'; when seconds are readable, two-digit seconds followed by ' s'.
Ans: 12 h 00 min
